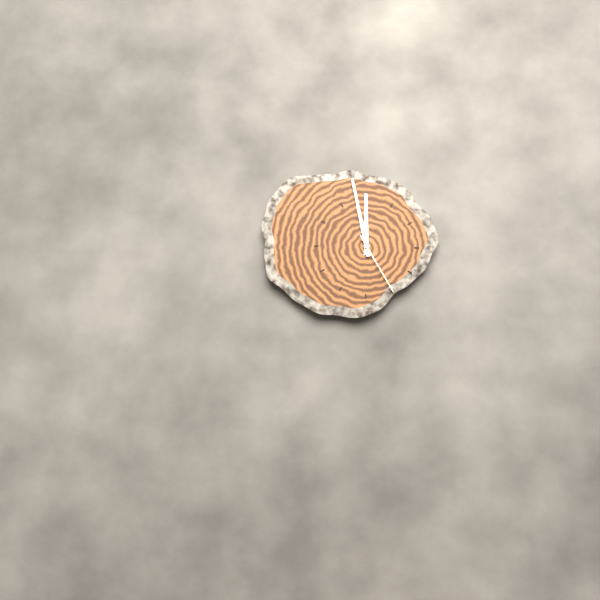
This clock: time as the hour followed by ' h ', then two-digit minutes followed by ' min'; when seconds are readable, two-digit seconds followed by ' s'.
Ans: 11 h 58 min 25 s
